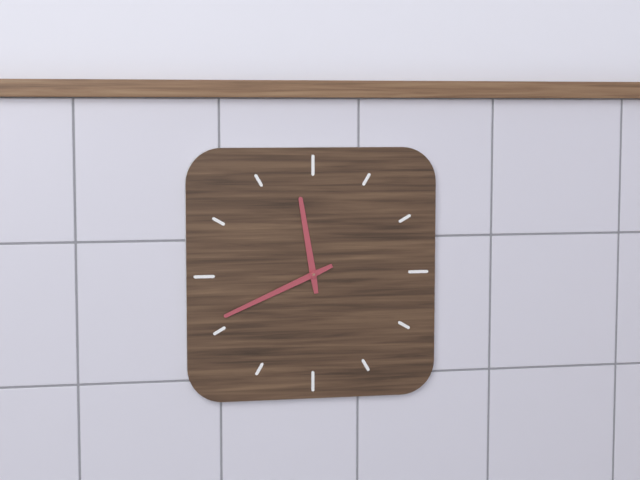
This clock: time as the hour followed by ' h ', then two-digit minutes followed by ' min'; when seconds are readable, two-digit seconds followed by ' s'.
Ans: 11 h 41 min
